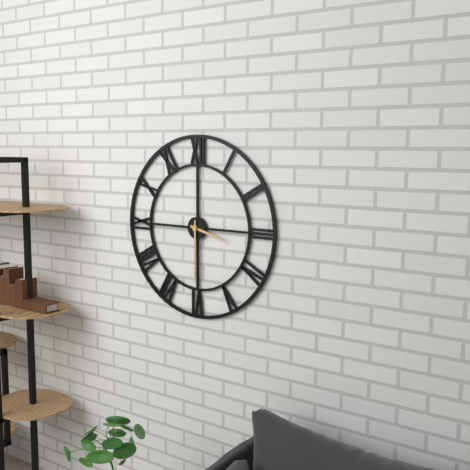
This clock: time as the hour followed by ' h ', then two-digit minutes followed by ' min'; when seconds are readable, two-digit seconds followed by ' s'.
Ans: 3 h 30 min
